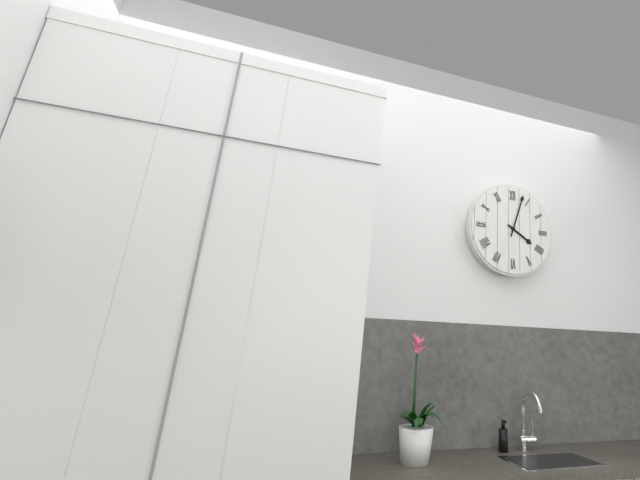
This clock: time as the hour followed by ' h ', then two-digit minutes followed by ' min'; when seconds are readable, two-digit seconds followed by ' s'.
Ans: 4 h 03 min
